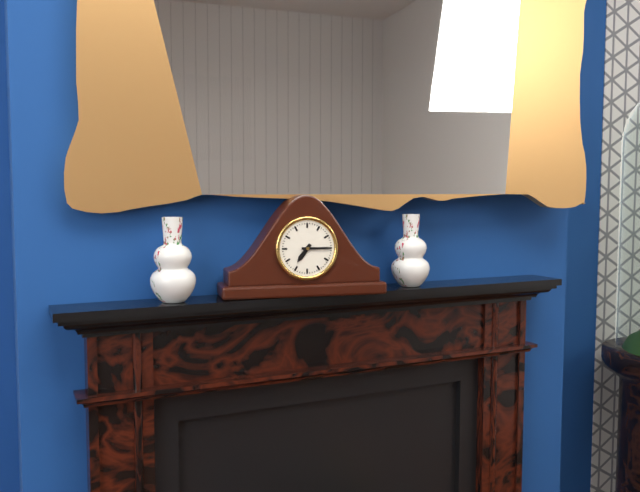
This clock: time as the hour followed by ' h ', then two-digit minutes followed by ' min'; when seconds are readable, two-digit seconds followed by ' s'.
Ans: 7 h 15 min
